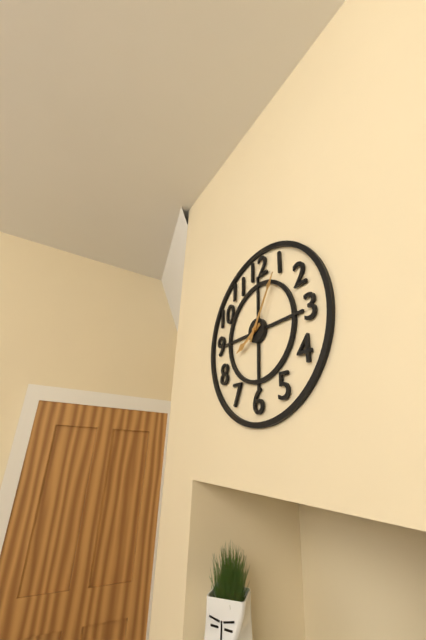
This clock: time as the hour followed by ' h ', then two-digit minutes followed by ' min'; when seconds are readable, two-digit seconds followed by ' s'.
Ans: 8 h 05 min
